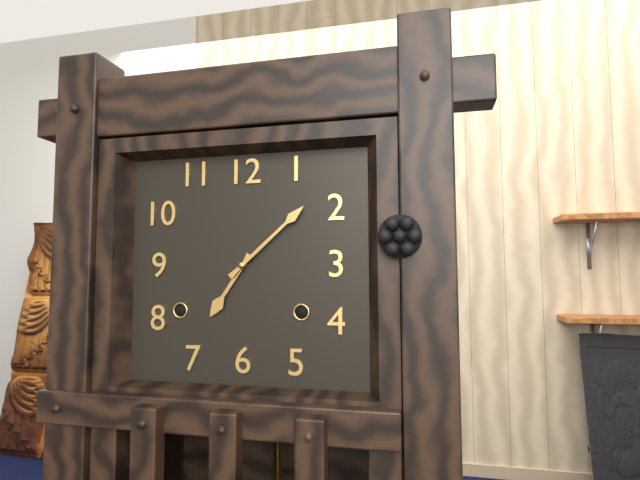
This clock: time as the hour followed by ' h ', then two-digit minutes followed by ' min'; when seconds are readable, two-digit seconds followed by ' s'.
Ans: 7 h 08 min
